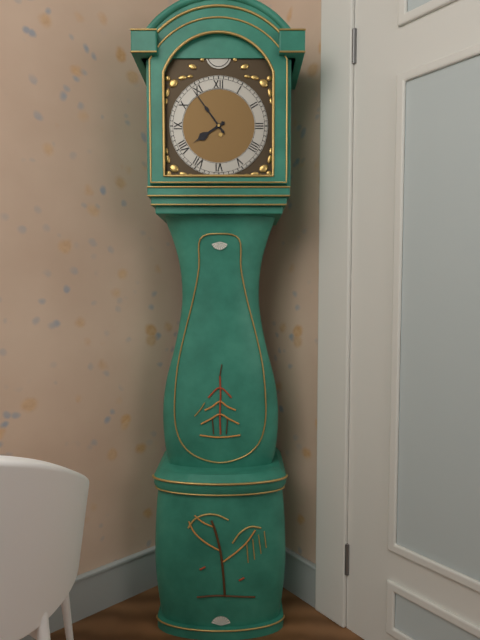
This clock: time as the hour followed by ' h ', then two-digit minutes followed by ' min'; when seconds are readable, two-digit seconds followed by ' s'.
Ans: 7 h 54 min
